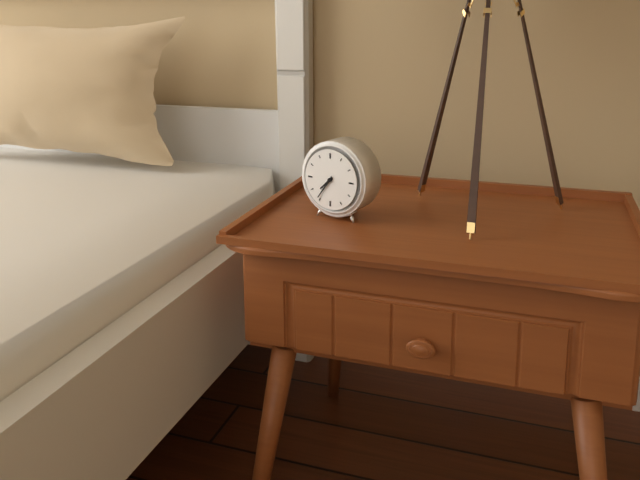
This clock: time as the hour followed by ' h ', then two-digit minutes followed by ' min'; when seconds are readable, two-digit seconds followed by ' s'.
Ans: 7 h 36 min
